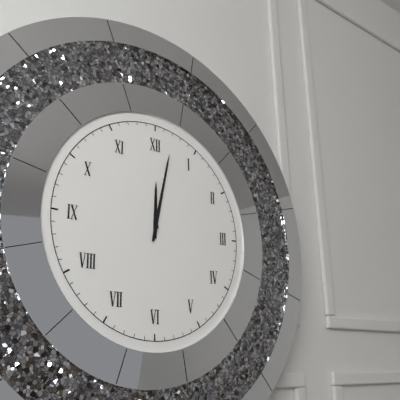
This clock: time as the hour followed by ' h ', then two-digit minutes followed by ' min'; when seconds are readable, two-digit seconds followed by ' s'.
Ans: 12 h 02 min
